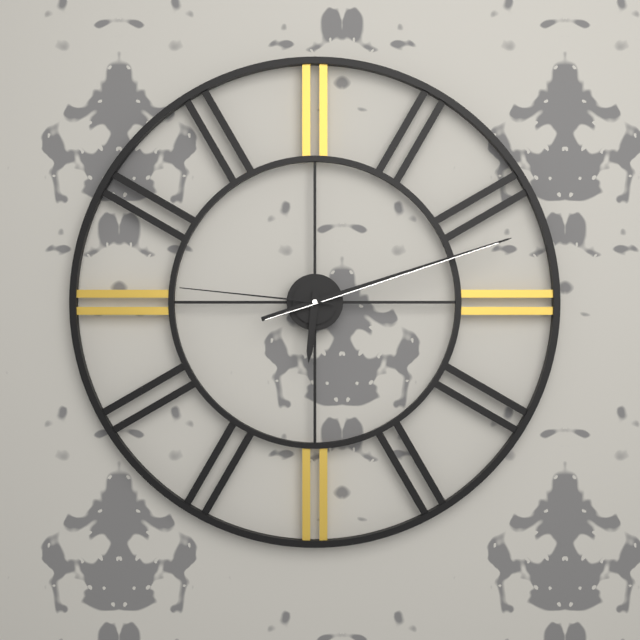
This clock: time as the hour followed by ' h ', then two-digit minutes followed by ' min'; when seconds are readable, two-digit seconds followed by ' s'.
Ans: 6 h 12 min 46 s
